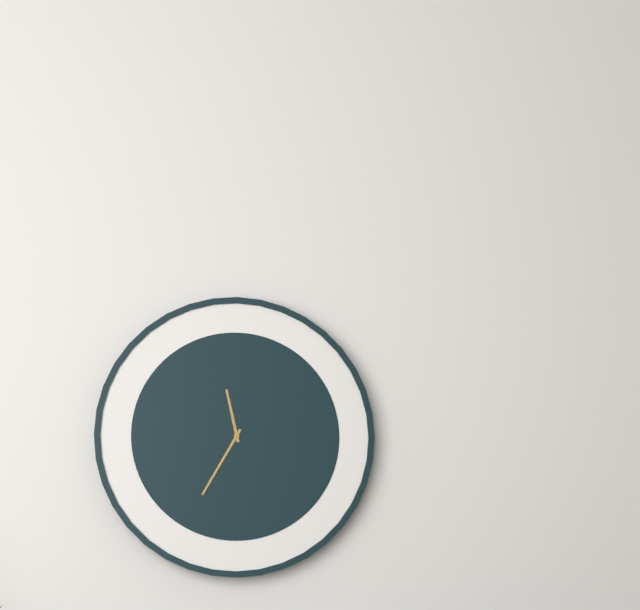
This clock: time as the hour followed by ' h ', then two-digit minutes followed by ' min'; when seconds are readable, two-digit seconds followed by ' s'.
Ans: 11 h 35 min
